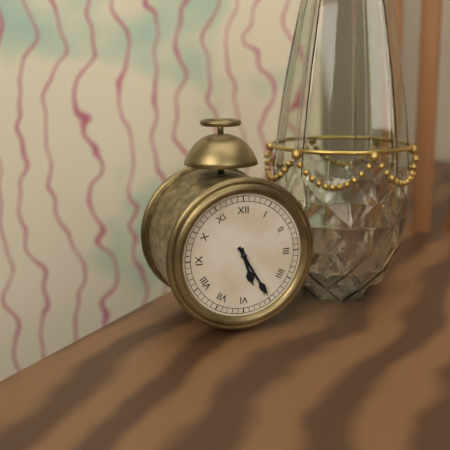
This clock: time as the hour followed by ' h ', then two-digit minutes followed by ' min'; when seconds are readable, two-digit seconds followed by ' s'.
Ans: 5 h 25 min
